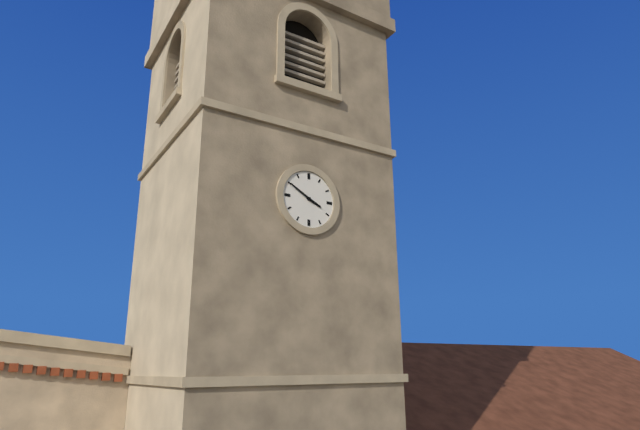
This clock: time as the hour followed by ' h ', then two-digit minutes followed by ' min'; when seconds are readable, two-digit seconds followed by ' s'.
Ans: 3 h 50 min
